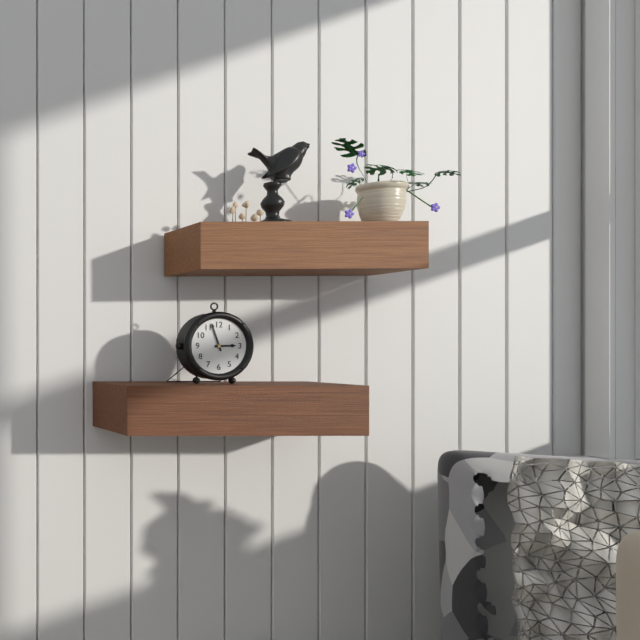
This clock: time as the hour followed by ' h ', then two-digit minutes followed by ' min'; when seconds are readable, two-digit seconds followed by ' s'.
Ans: 2 h 57 min
